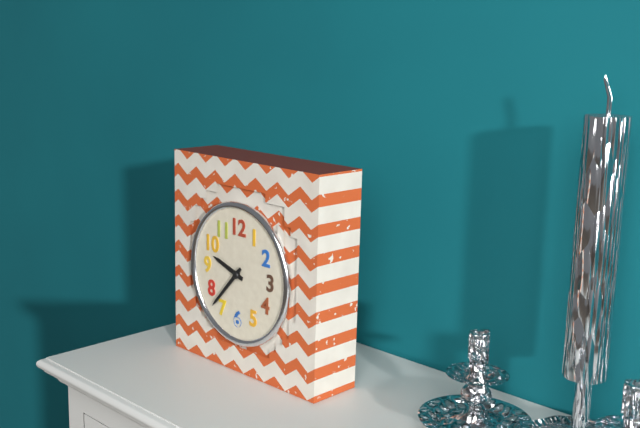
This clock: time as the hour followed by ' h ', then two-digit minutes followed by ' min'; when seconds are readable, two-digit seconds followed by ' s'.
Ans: 9 h 37 min
